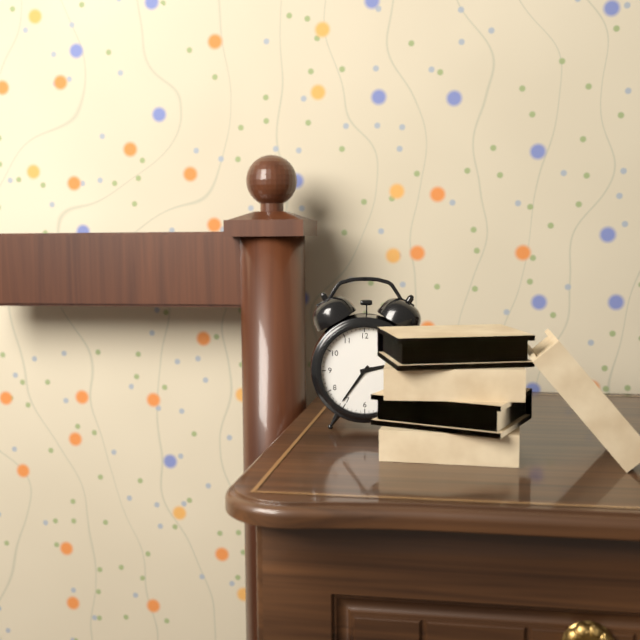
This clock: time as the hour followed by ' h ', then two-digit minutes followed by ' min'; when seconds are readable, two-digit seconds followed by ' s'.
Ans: 2 h 36 min
